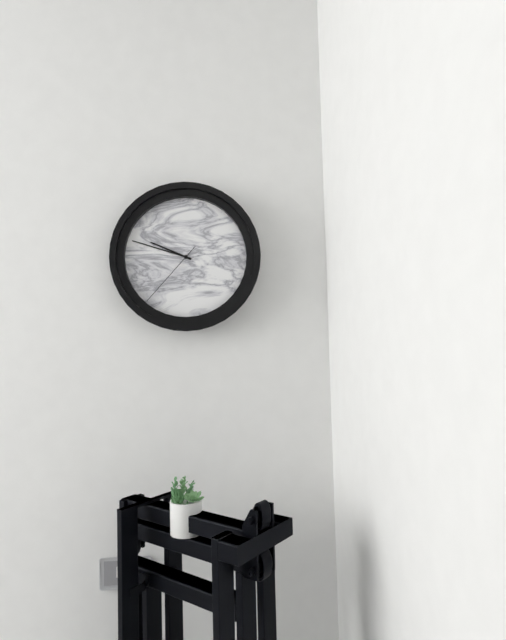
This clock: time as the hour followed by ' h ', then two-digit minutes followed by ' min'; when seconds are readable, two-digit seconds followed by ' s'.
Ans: 9 h 48 min 37 s
